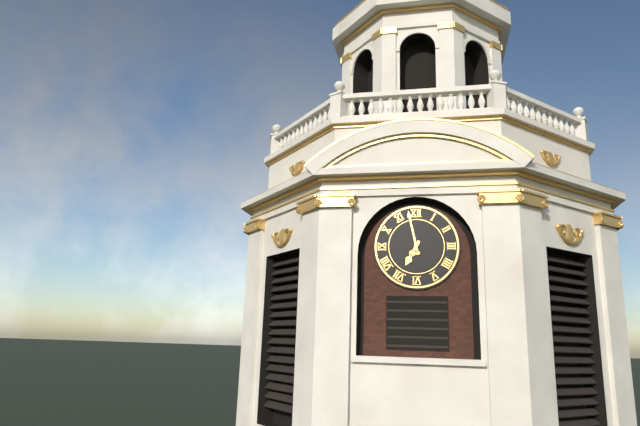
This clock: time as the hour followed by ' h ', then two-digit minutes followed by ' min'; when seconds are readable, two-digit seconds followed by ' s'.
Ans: 6 h 58 min
